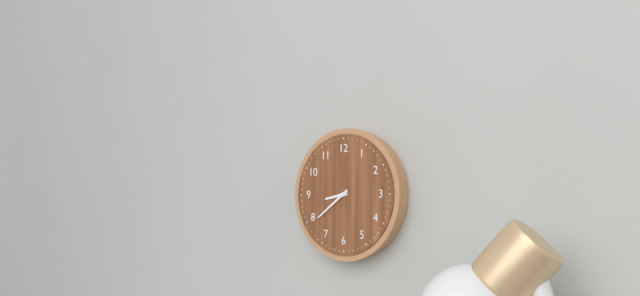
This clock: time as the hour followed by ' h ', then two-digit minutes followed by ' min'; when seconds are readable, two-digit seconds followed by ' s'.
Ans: 8 h 39 min
